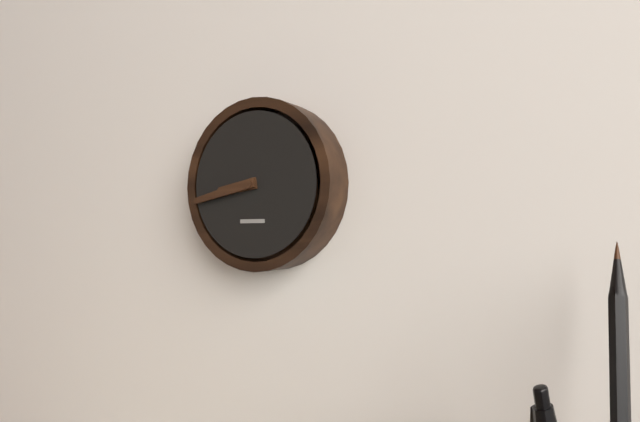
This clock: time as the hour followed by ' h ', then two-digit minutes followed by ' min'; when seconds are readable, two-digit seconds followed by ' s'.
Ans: 8 h 43 min
